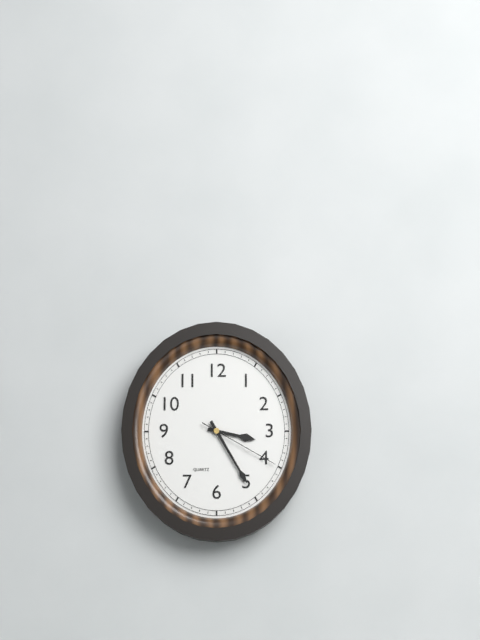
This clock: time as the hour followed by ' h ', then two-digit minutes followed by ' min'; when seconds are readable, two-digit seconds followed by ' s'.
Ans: 3 h 25 min 20 s
